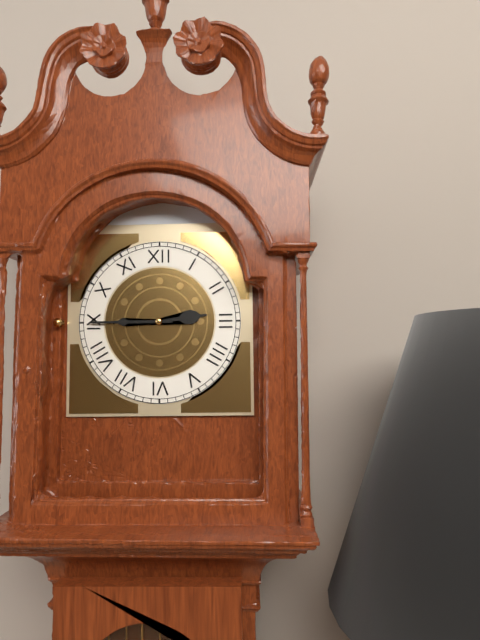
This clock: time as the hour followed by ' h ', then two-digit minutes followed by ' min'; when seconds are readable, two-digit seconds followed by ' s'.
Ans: 2 h 45 min
